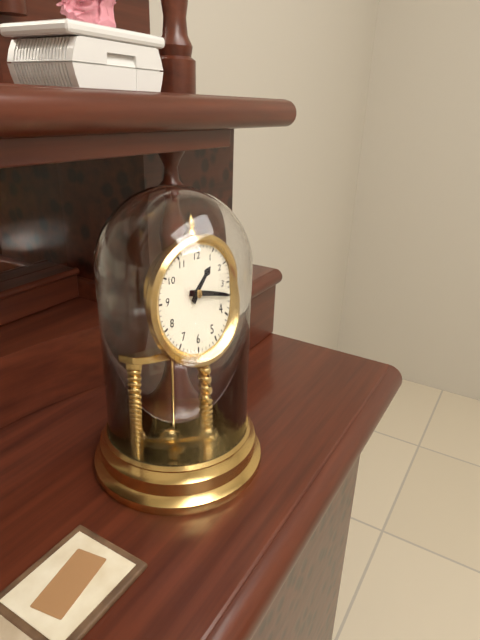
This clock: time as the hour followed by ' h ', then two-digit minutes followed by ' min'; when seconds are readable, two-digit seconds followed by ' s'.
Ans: 1 h 17 min
